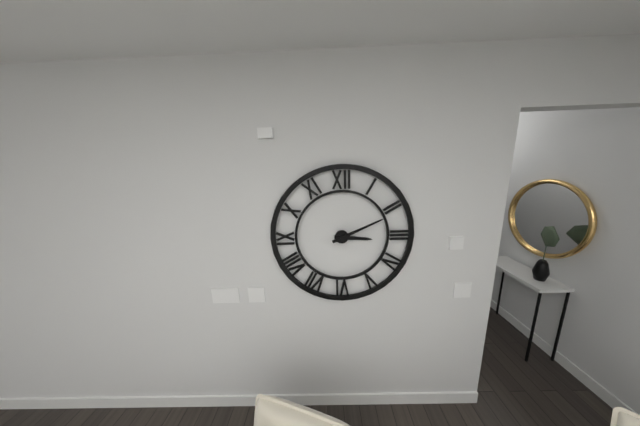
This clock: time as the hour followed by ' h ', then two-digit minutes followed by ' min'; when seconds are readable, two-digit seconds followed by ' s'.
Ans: 3 h 11 min
